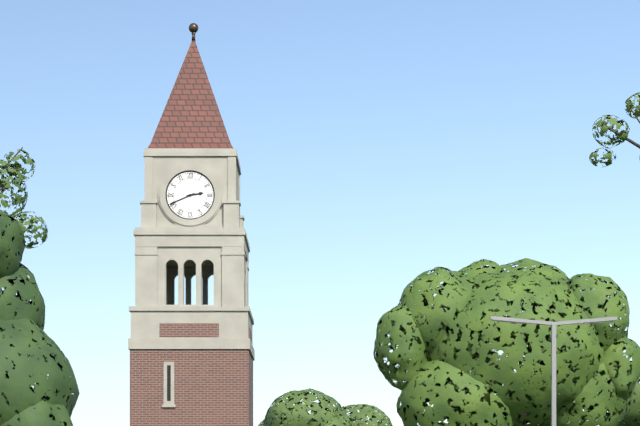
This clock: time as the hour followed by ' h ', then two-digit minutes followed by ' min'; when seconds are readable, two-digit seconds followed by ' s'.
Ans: 2 h 41 min
